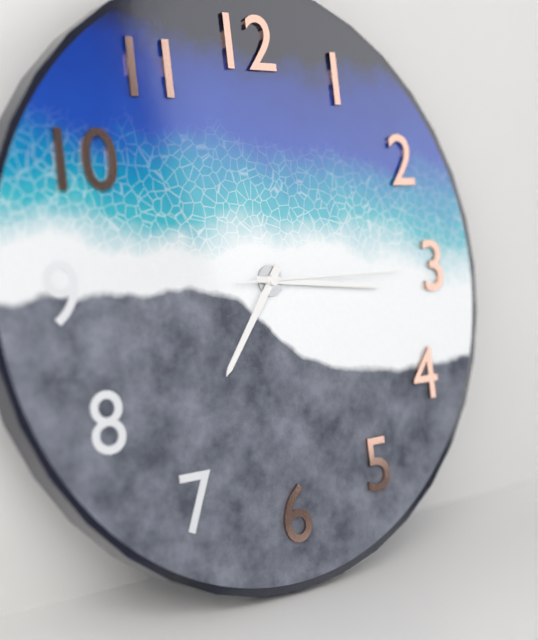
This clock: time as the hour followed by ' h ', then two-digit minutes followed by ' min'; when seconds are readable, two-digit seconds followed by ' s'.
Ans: 7 h 16 min 15 s
